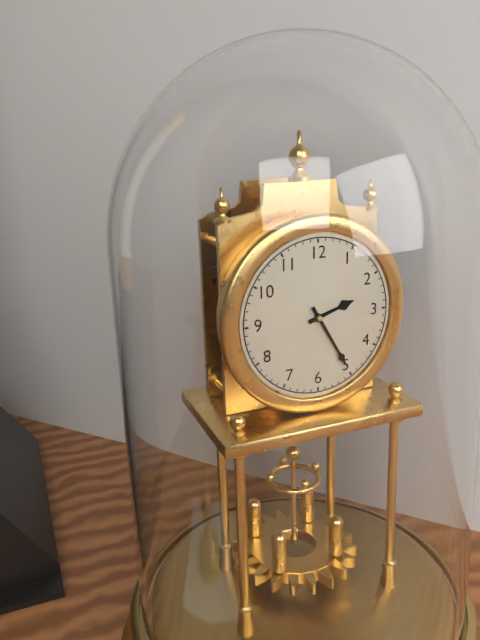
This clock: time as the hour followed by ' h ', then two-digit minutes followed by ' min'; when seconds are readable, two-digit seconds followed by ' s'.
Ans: 2 h 25 min
